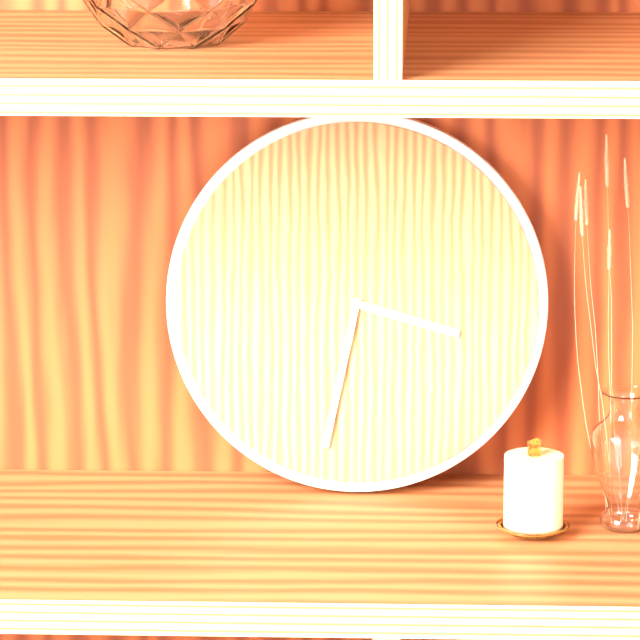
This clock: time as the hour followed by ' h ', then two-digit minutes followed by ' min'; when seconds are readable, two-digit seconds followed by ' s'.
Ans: 3 h 32 min
